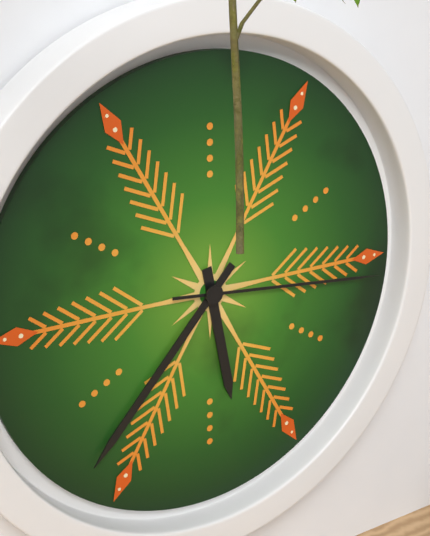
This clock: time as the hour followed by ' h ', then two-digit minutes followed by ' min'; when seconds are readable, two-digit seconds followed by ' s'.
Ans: 5 h 37 min 16 s
